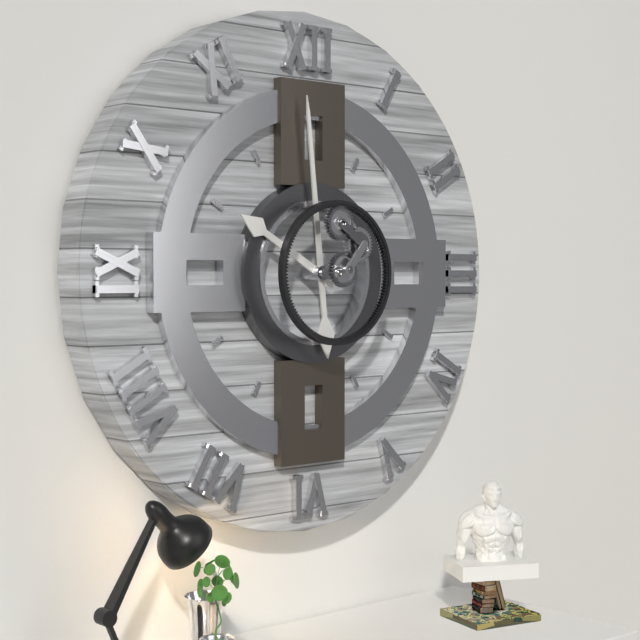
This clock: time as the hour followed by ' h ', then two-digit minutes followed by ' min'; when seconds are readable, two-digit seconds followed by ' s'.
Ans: 9 h 59 min
